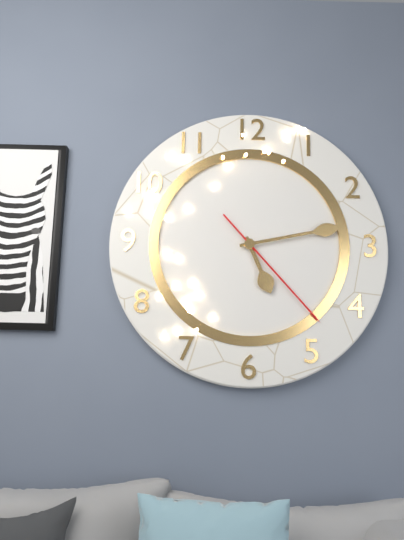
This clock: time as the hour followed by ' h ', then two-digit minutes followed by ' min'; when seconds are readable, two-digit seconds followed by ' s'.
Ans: 5 h 13 min 23 s
